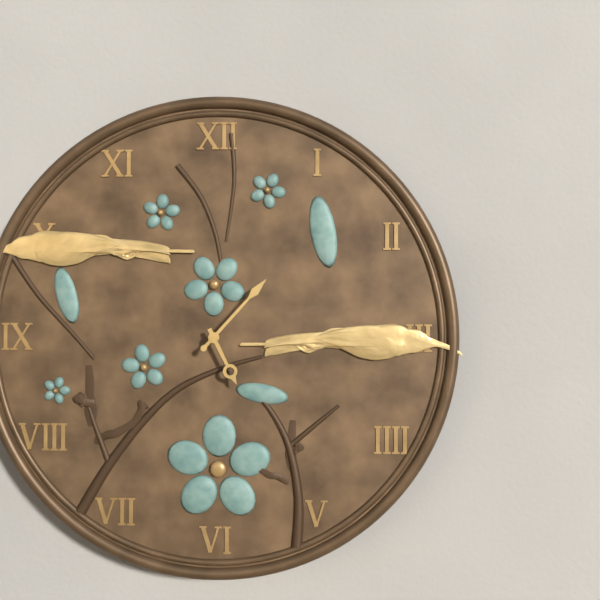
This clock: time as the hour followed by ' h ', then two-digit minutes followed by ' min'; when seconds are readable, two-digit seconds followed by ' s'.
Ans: 5 h 07 min
